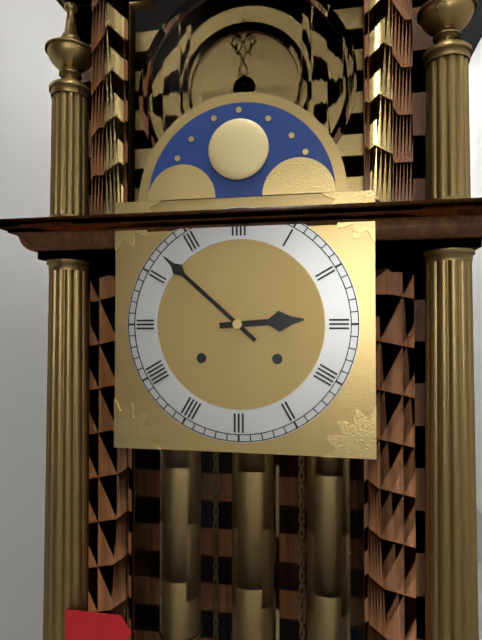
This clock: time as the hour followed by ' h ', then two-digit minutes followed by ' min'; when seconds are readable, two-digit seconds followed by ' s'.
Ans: 2 h 52 min
